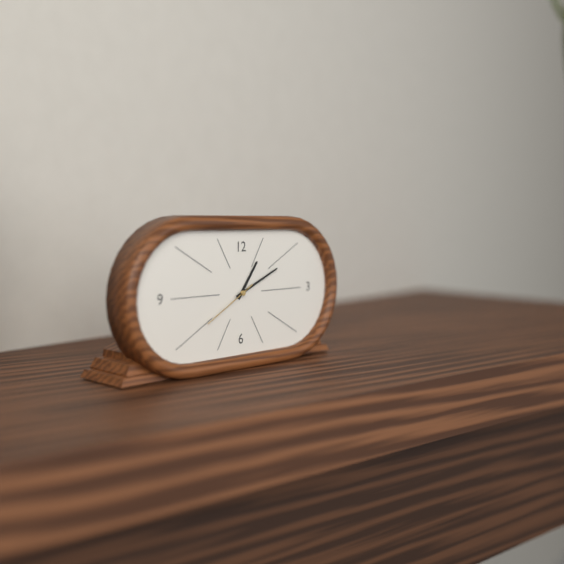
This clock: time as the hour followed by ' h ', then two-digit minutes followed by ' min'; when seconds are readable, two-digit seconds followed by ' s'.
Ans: 1 h 11 min 40 s
